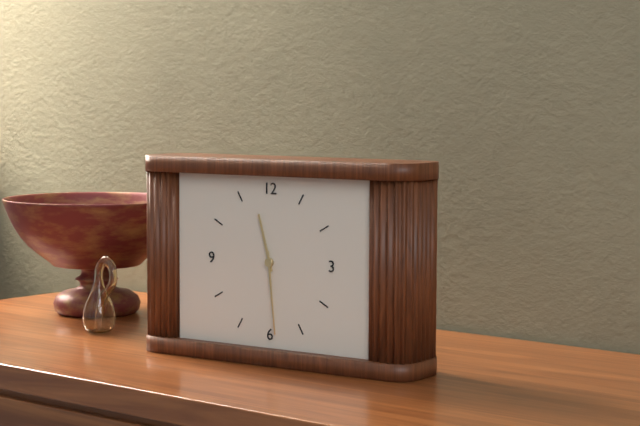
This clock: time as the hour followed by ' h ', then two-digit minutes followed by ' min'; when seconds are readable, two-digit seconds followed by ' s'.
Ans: 11 h 29 min
